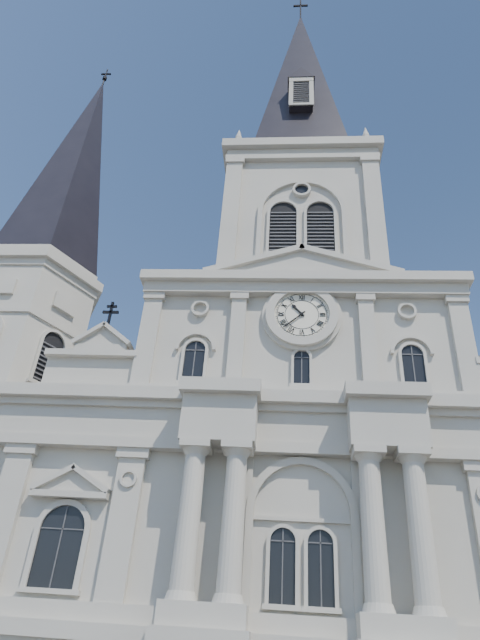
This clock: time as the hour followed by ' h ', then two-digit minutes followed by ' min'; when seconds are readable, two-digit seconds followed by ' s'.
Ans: 10 h 38 min
